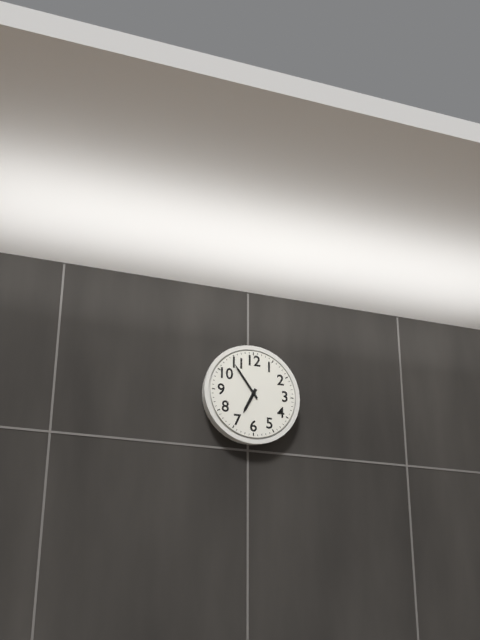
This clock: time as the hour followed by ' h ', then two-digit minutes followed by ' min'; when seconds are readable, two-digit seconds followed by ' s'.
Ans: 6 h 54 min
